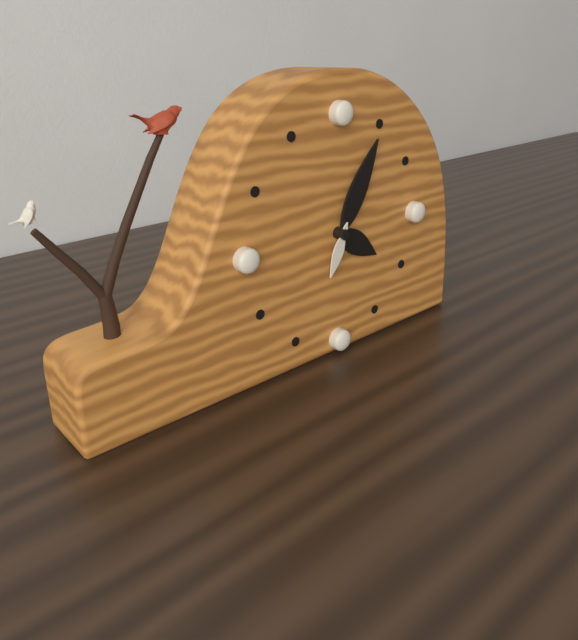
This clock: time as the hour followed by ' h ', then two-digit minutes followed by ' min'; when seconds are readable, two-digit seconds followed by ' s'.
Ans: 4 h 05 min 34 s
